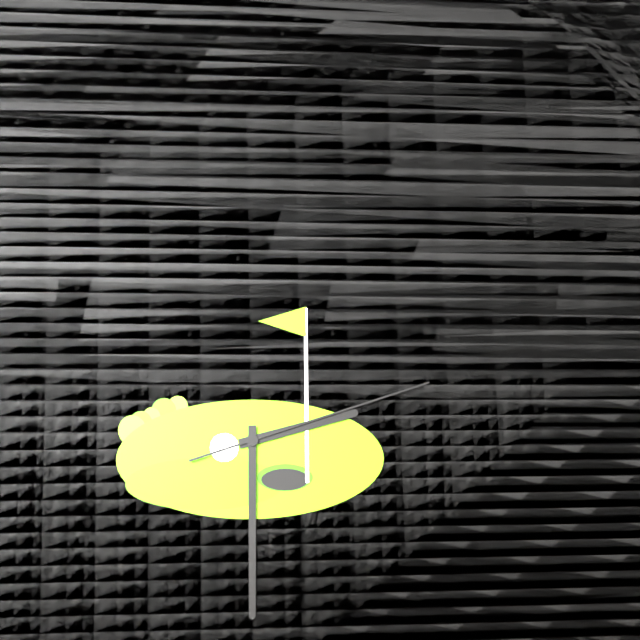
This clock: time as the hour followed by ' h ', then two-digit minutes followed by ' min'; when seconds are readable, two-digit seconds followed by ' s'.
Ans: 2 h 30 min 12 s
